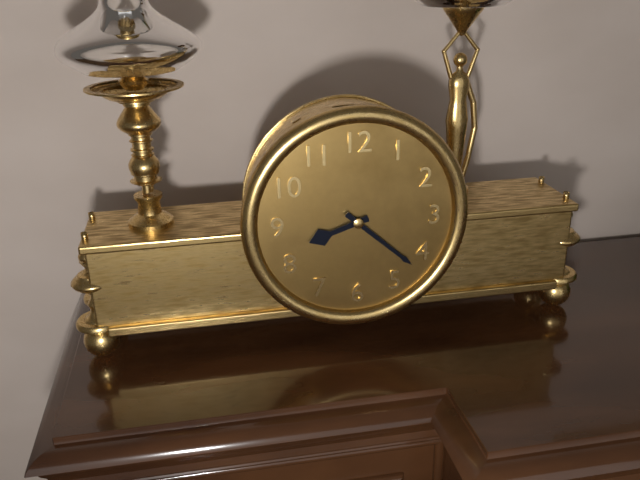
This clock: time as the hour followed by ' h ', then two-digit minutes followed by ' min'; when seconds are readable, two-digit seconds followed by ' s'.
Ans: 8 h 22 min
